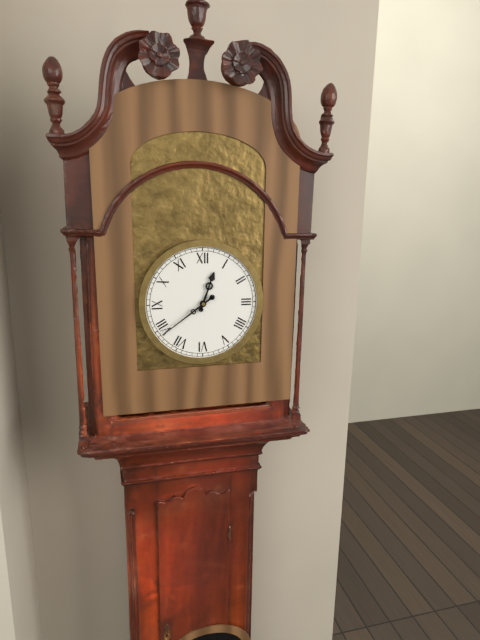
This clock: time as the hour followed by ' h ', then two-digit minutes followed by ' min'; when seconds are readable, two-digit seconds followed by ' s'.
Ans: 12 h 39 min
